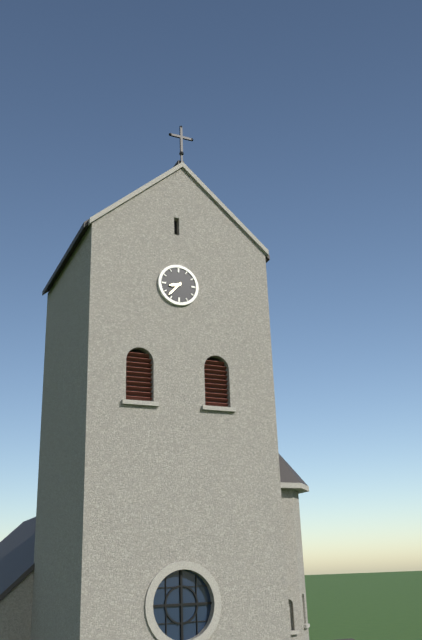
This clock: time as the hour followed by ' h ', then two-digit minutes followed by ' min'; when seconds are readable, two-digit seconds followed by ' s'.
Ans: 8 h 37 min
